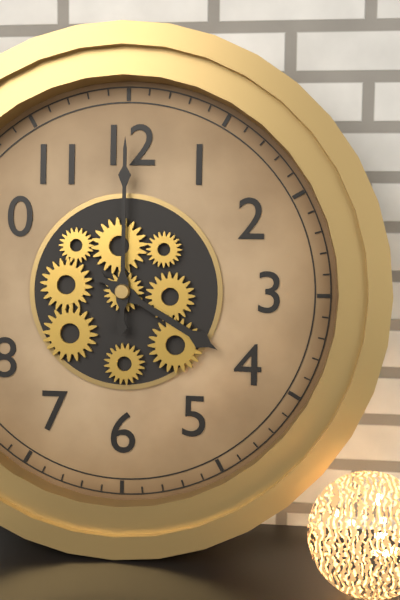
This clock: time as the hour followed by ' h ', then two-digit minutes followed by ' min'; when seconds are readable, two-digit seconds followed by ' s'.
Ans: 4 h 00 min
